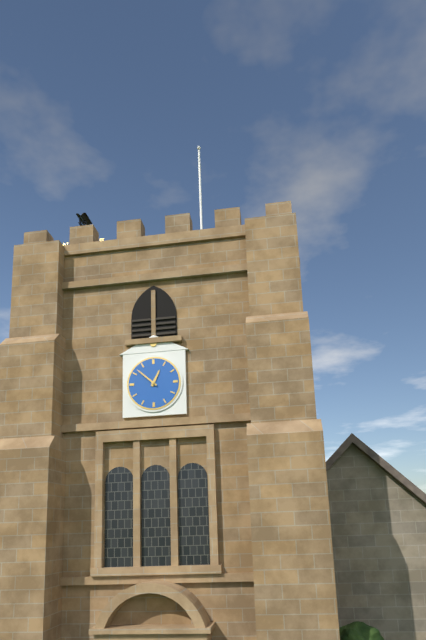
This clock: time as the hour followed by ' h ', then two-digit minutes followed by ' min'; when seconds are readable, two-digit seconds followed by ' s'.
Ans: 12 h 52 min
